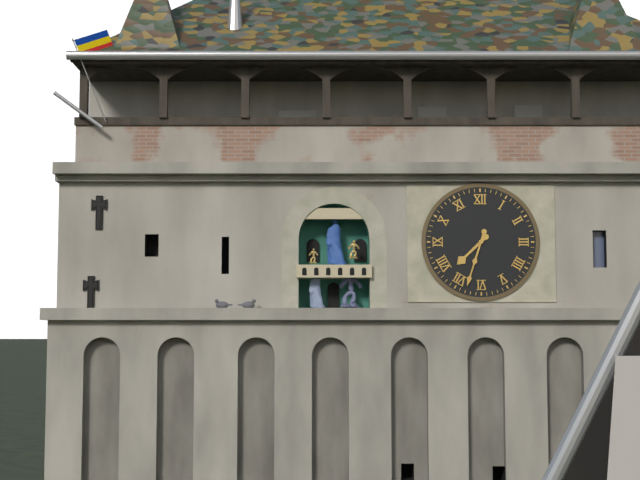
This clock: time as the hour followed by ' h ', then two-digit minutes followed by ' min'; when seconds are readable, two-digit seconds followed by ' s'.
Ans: 7 h 33 min
